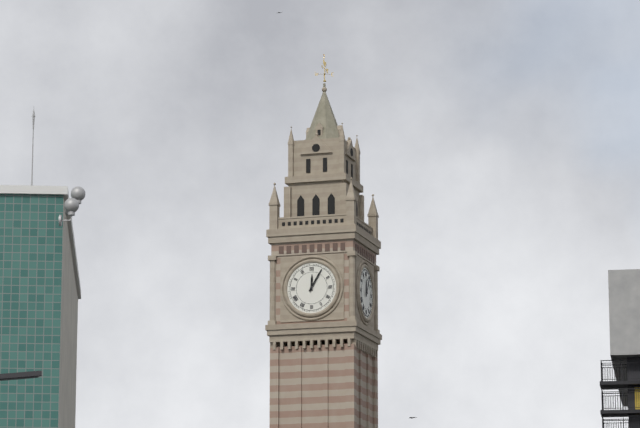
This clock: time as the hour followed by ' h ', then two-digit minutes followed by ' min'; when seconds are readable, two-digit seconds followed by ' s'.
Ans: 12 h 05 min
